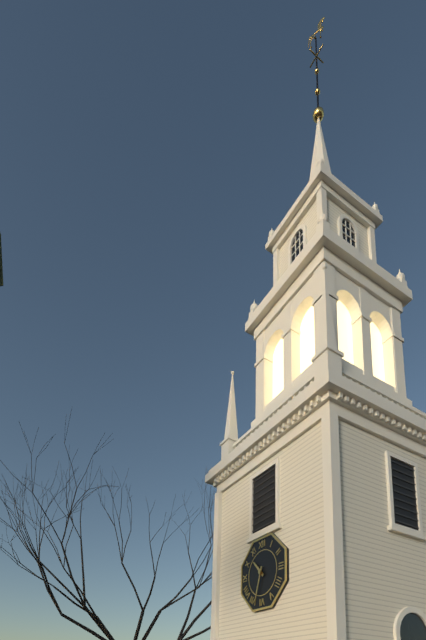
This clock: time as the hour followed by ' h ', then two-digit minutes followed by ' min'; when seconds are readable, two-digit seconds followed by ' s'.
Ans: 10 h 33 min
